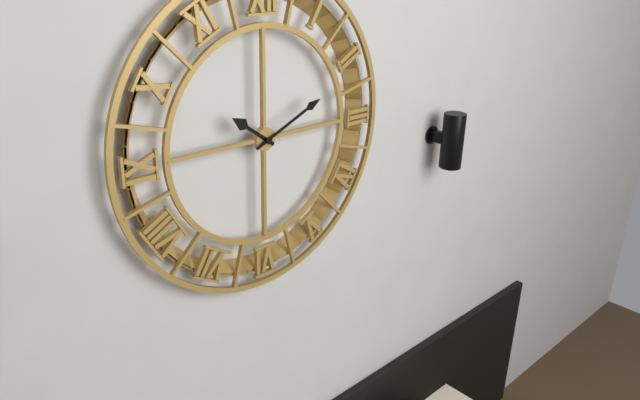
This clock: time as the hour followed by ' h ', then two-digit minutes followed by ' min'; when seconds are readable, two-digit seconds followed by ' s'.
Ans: 10 h 11 min
